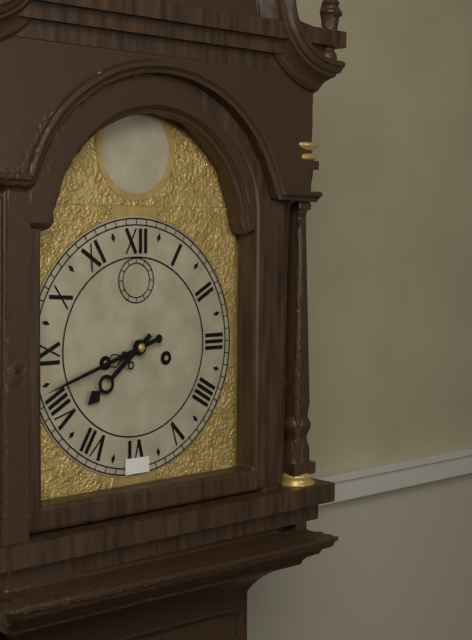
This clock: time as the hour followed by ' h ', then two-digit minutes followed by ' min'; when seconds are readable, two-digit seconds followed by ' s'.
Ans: 7 h 42 min
